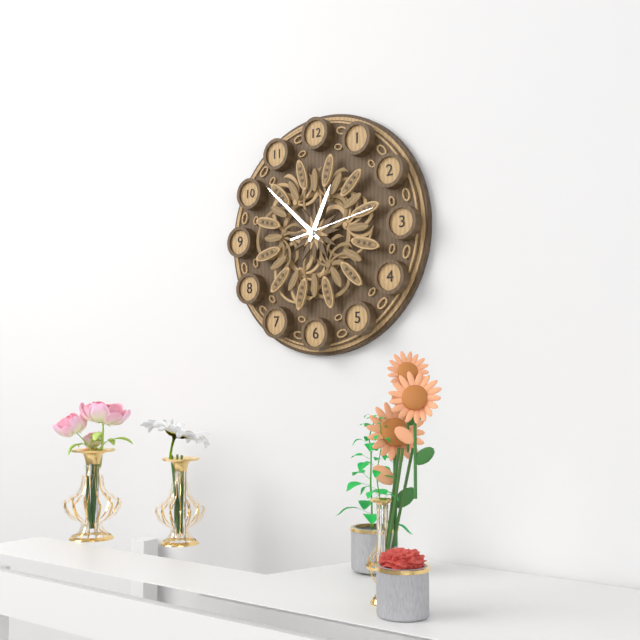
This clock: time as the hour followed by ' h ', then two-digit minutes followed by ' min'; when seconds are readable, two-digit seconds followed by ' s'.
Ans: 12 h 52 min 13 s
